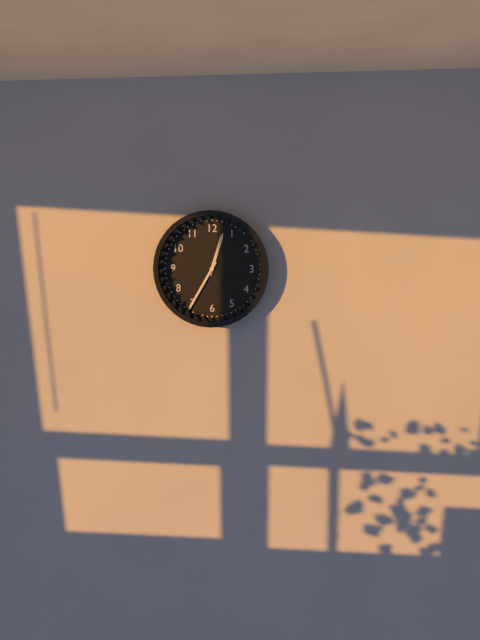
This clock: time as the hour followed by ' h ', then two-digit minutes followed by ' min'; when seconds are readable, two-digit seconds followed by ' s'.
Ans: 12 h 35 min
